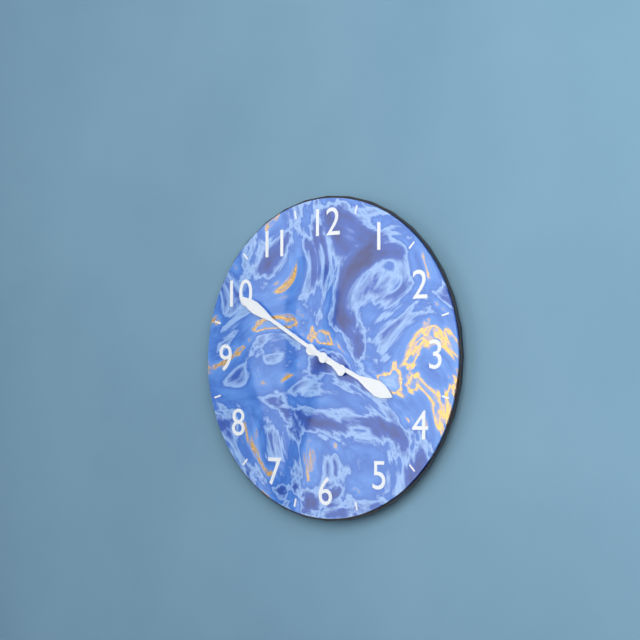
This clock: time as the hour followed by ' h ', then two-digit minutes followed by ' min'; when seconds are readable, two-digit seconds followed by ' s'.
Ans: 3 h 50 min
